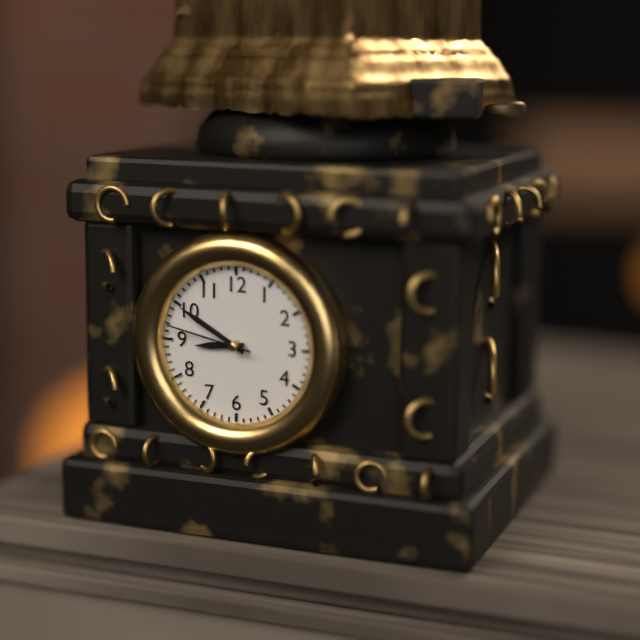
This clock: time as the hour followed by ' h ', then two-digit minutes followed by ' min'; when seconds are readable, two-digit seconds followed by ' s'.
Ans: 8 h 50 min 47 s
